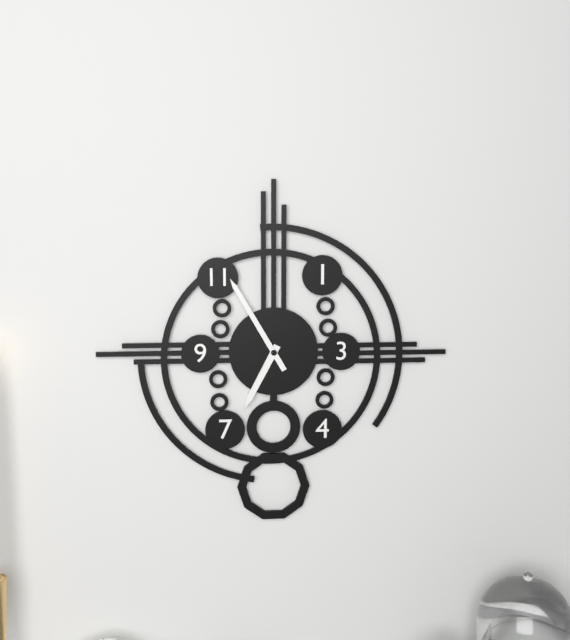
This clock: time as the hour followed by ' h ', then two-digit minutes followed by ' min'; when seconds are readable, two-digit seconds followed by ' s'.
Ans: 6 h 55 min
